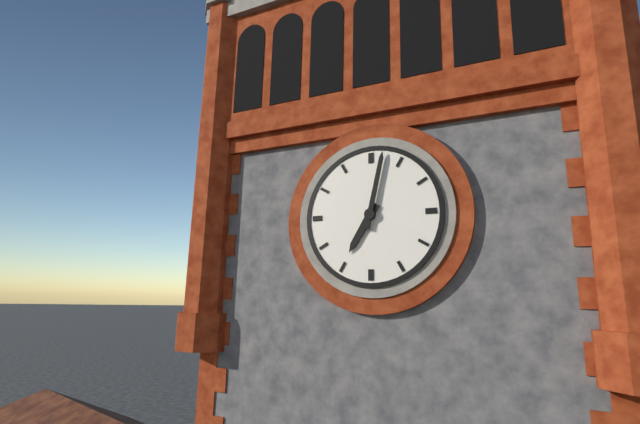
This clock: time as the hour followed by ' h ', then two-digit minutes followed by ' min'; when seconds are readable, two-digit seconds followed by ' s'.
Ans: 7 h 02 min
